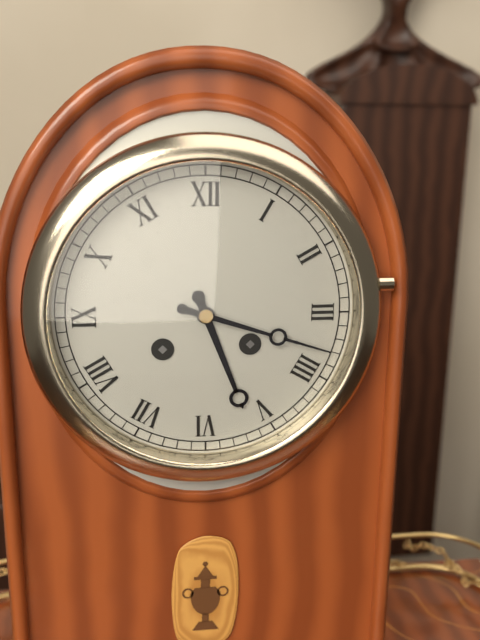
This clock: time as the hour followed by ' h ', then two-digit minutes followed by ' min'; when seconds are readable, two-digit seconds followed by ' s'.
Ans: 5 h 18 min
